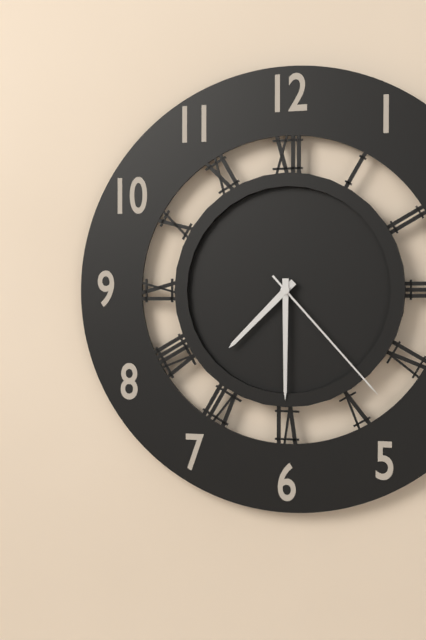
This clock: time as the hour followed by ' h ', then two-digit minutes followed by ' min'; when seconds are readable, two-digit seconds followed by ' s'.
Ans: 7 h 30 min 23 s
